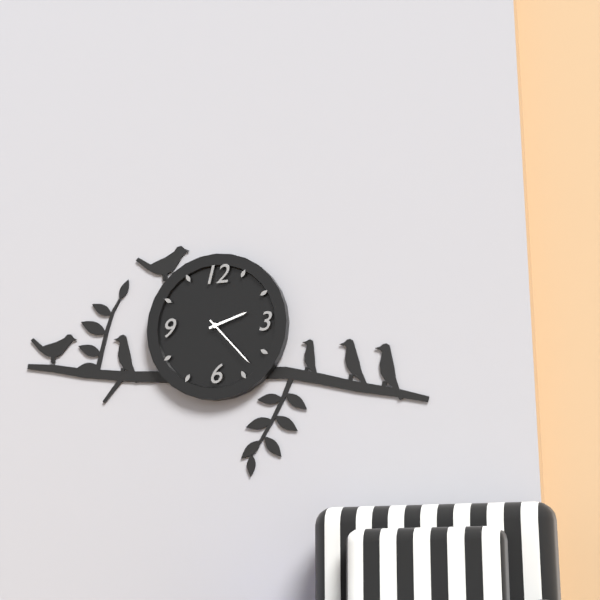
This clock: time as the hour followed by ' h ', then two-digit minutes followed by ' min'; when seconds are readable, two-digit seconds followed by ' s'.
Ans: 2 h 23 min
